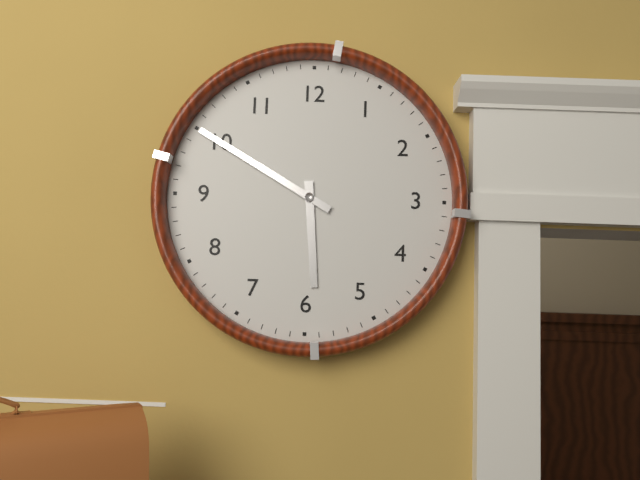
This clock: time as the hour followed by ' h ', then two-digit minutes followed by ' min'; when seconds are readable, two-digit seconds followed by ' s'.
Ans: 5 h 50 min
